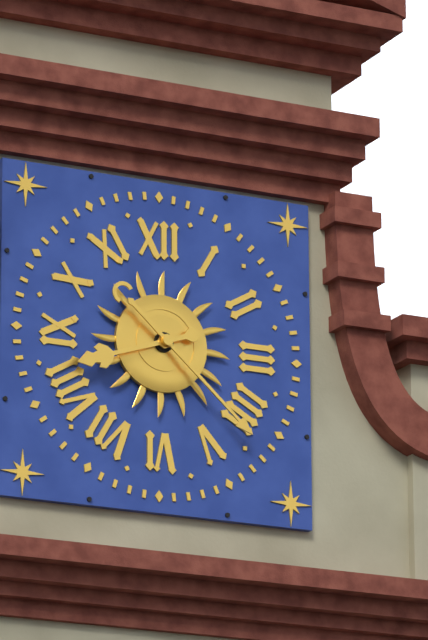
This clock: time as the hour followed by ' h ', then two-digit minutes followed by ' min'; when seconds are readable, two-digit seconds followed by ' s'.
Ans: 8 h 22 min
